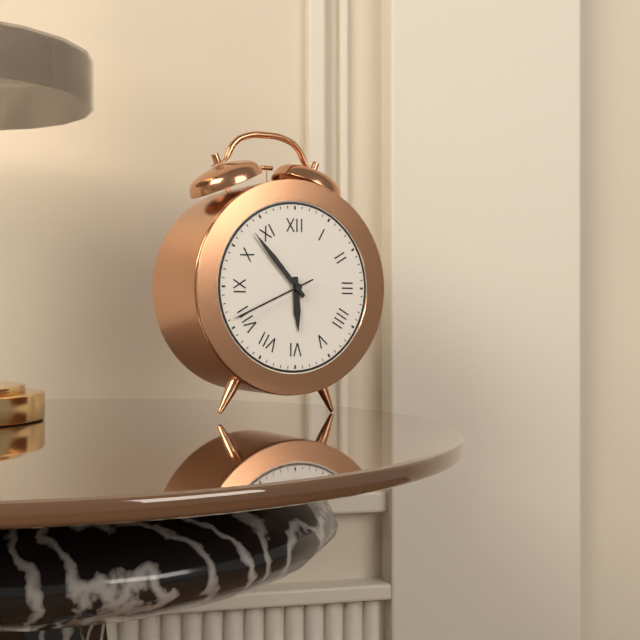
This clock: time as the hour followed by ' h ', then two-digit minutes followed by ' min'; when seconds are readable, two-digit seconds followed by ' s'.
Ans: 5 h 53 min 41 s
